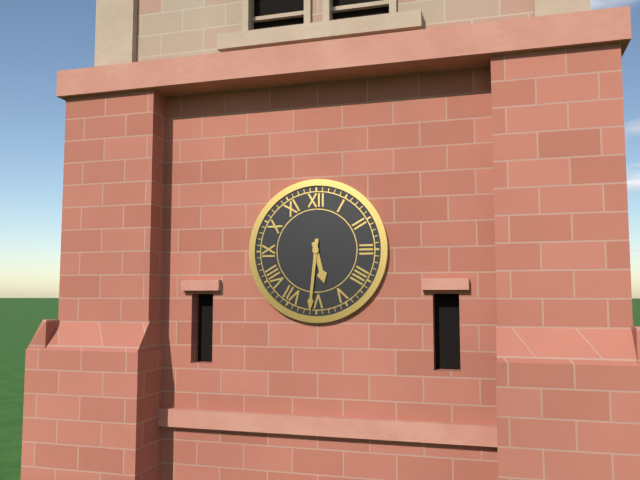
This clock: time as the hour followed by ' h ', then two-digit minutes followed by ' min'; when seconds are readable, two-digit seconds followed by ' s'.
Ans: 5 h 31 min
